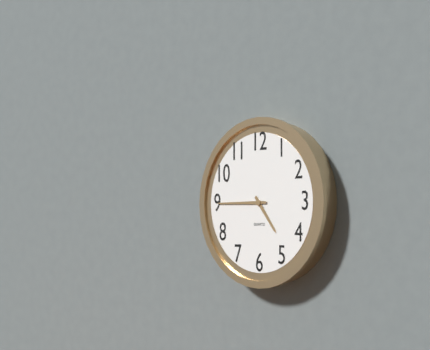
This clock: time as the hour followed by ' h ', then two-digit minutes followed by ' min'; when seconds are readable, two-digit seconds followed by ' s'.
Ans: 4 h 45 min
